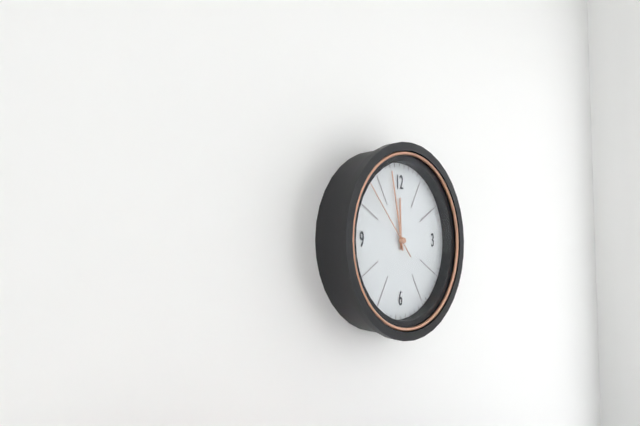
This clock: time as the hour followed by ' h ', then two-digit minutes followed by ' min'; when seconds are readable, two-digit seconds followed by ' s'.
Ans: 11 h 58 min 53 s
